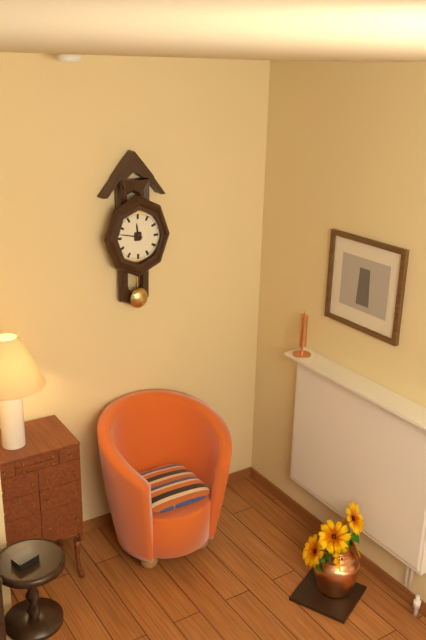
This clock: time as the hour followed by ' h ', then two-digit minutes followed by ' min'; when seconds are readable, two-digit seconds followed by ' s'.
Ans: 11 h 47 min
